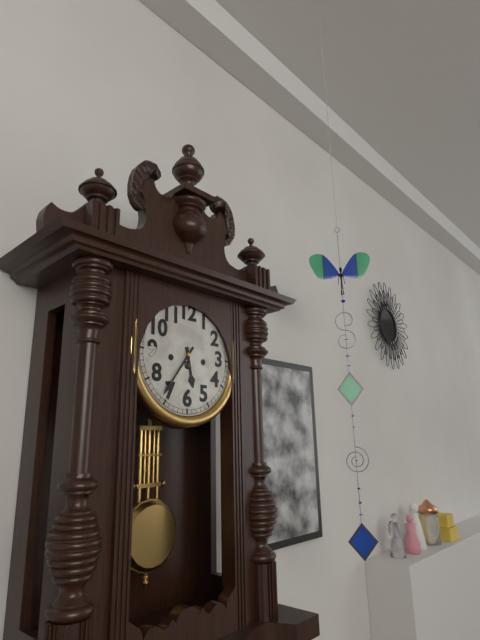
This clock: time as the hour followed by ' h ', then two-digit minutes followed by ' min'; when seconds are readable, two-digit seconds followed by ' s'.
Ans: 5 h 36 min
